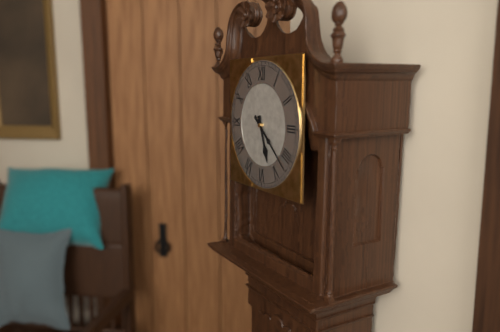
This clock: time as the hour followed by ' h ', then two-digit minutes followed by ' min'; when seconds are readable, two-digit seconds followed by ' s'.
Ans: 5 h 22 min
